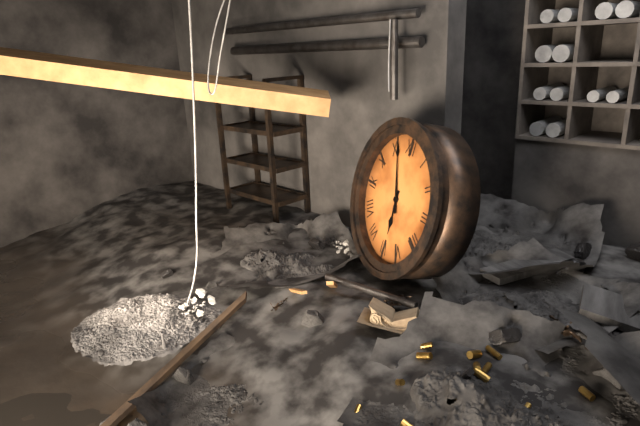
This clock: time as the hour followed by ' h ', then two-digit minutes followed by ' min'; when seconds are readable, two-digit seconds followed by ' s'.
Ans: 5 h 56 min
